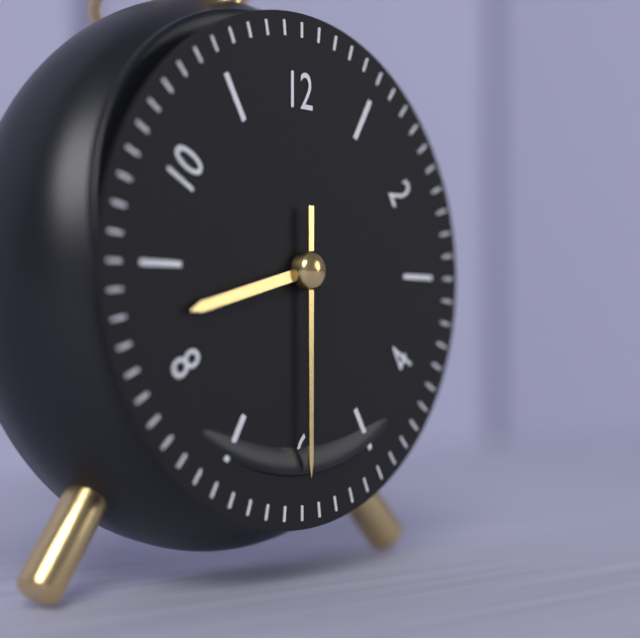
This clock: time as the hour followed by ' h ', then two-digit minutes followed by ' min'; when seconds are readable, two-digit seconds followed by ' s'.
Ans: 8 h 30 min
